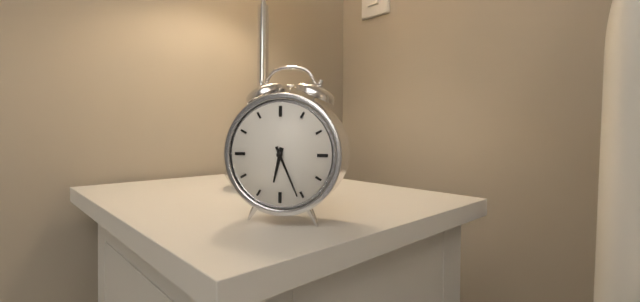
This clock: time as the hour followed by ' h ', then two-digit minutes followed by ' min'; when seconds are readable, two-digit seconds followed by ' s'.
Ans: 6 h 26 min
